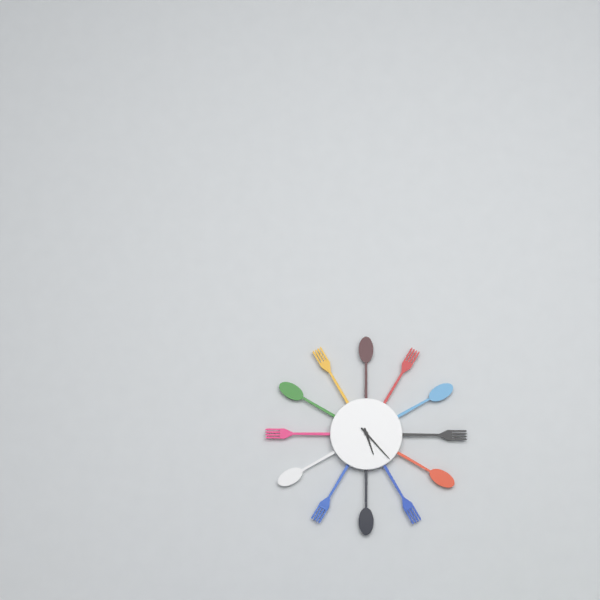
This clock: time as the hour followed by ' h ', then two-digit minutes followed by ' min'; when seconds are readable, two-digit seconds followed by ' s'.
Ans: 5 h 23 min
